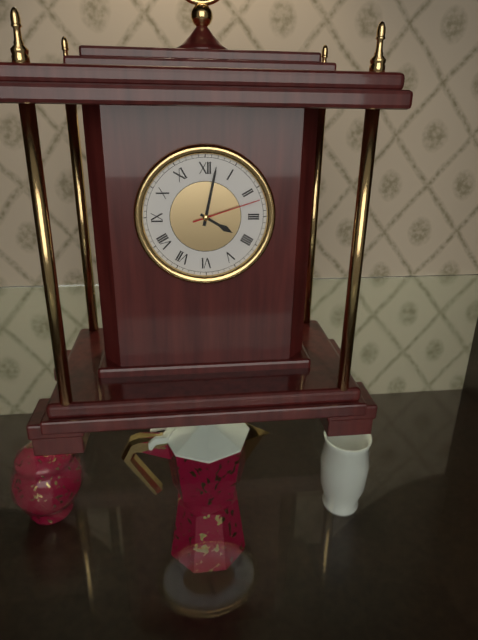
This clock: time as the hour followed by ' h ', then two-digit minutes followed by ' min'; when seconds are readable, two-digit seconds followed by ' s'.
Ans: 4 h 02 min 12 s
